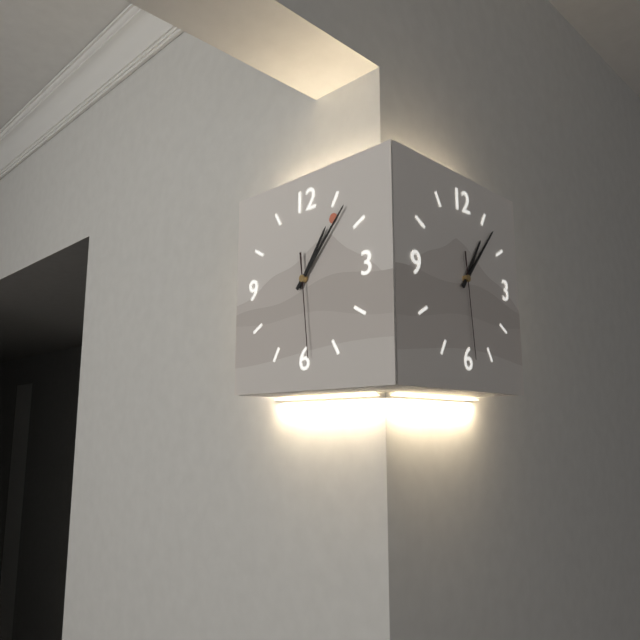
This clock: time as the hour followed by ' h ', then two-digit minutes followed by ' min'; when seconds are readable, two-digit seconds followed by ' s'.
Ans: 1 h 07 min 29 s
